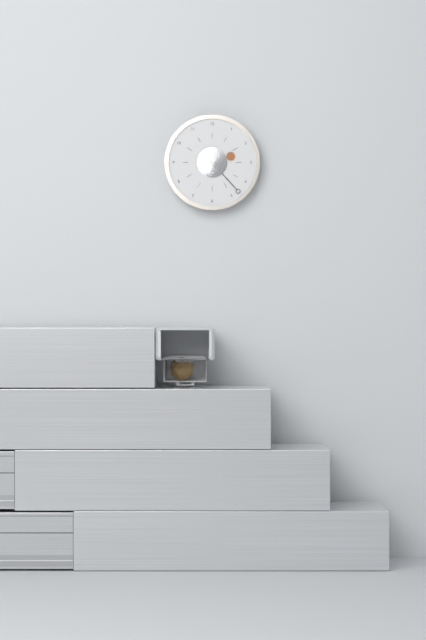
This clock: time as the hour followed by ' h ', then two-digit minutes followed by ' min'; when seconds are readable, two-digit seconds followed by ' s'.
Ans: 2 h 23 min
